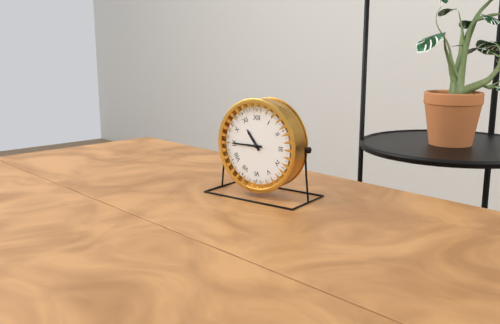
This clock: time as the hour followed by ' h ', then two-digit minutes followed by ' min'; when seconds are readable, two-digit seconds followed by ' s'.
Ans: 10 h 45 min
